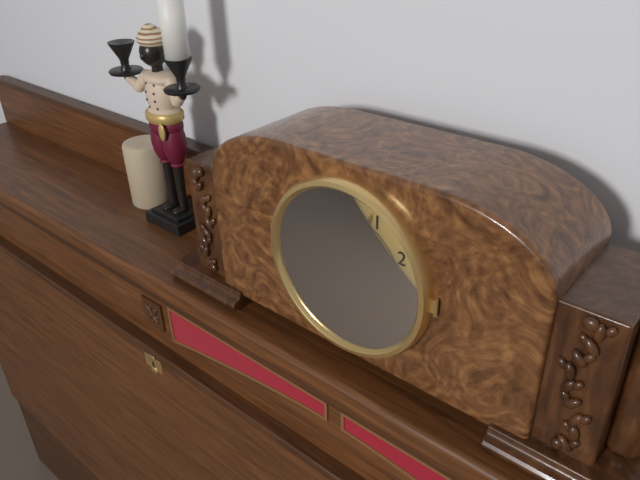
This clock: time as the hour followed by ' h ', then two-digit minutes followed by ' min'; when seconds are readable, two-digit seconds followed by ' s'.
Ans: 3 h 04 min
